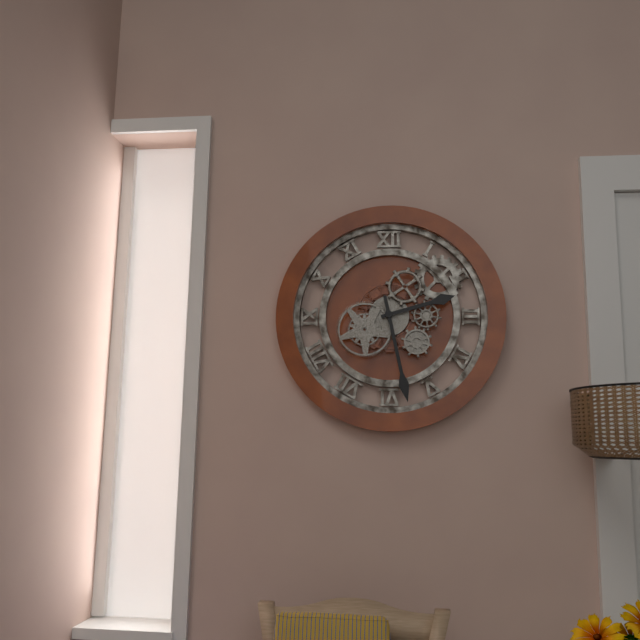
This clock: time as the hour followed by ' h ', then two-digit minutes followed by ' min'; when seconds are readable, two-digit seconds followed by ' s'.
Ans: 2 h 28 min
